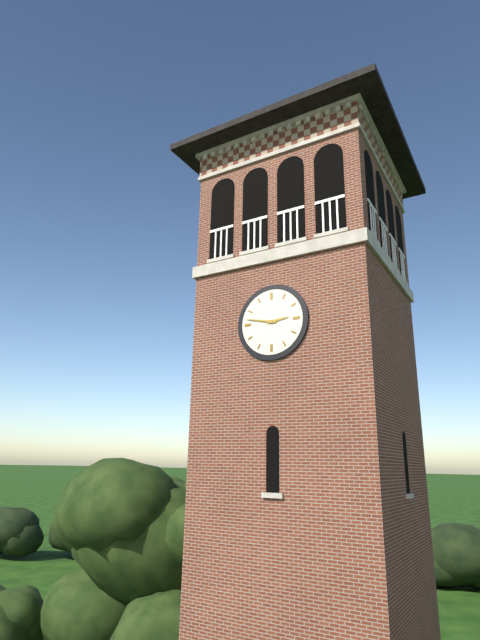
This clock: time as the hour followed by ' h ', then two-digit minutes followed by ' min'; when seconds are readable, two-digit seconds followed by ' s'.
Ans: 2 h 47 min
